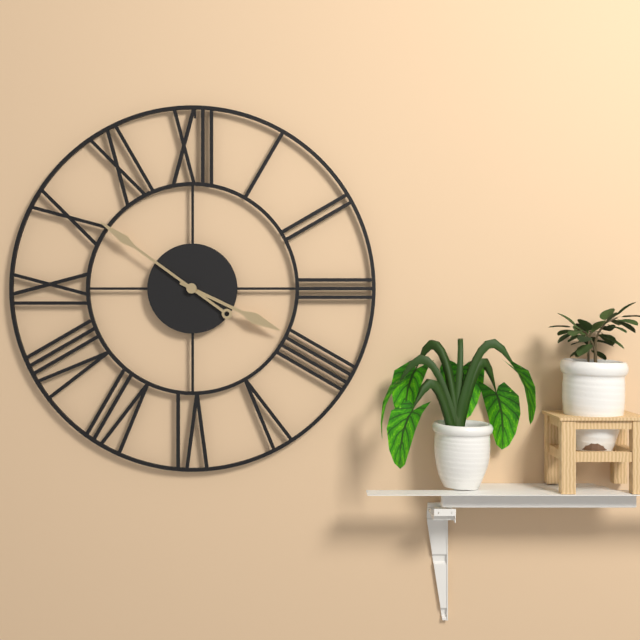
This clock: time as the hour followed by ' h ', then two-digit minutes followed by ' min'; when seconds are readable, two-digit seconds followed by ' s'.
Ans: 3 h 51 min
